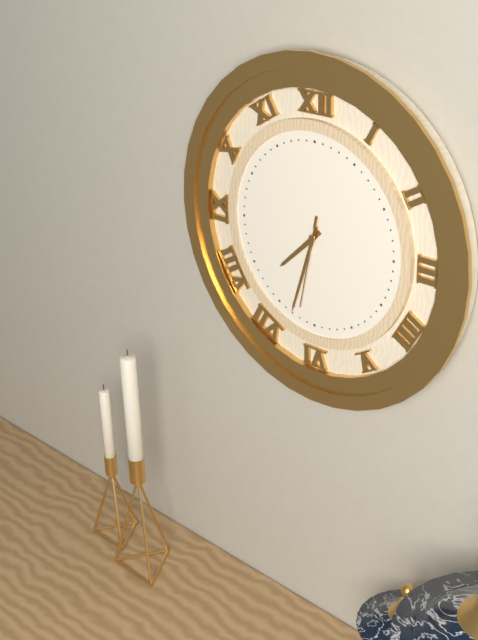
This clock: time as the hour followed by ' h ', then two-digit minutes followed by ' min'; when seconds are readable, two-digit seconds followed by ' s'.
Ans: 7 h 33 min 32 s
